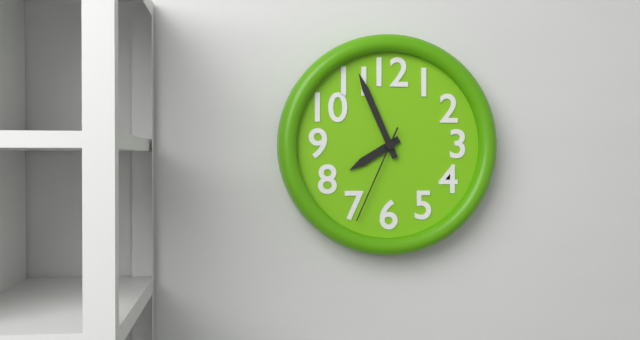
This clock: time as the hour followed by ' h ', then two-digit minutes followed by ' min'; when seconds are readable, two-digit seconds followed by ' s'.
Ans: 7 h 56 min 34 s
